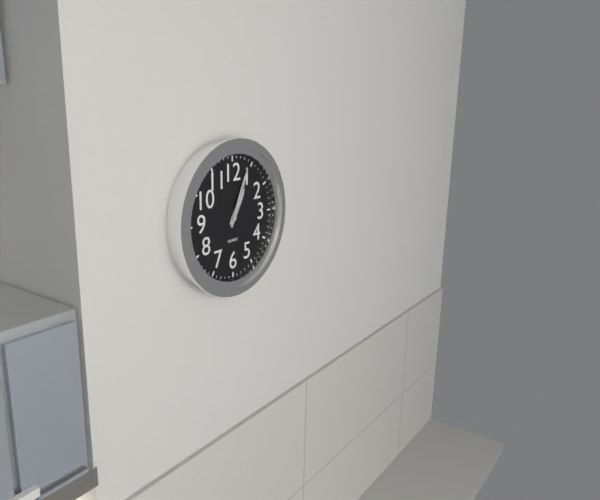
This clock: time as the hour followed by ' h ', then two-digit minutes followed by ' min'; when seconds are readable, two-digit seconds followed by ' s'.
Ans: 1 h 04 min
